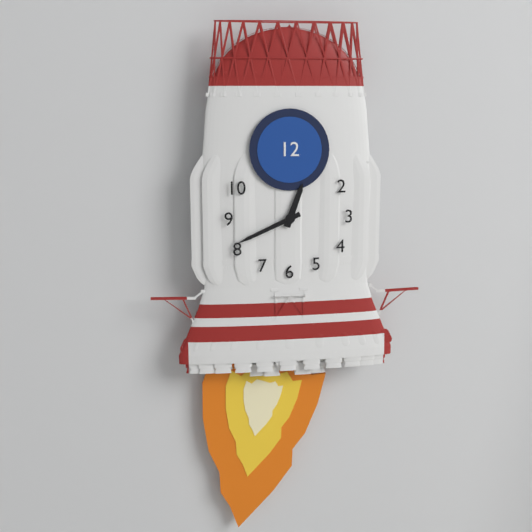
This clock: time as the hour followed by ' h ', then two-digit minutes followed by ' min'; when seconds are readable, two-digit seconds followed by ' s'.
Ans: 12 h 41 min
